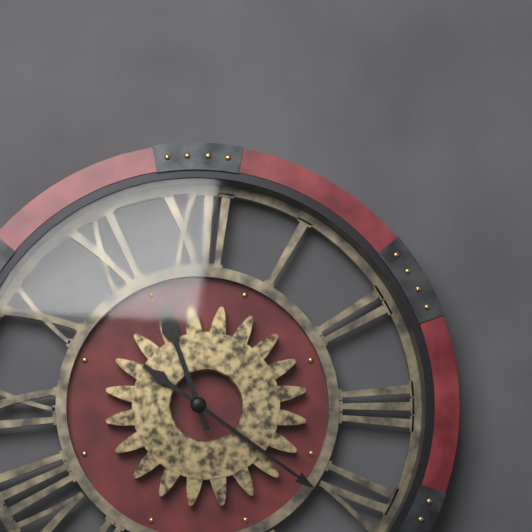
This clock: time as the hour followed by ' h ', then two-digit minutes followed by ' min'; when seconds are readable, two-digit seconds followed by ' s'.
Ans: 11 h 21 min
